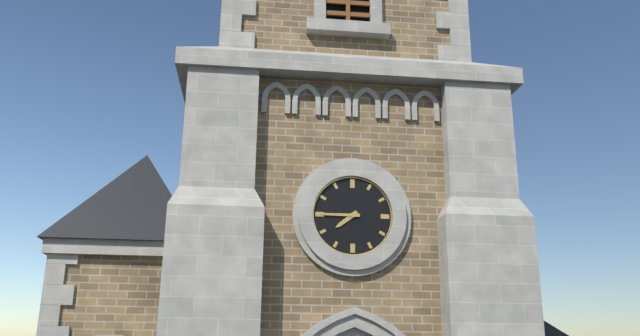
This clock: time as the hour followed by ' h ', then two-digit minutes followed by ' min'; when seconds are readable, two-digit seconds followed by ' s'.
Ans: 7 h 45 min
